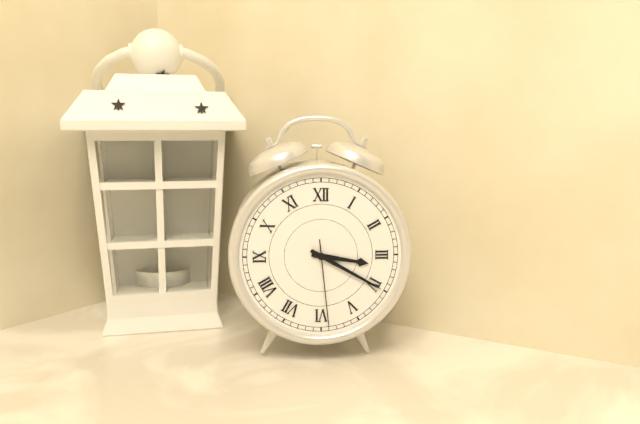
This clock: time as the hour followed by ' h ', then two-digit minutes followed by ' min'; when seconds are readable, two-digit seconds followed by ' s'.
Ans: 3 h 20 min 29 s
